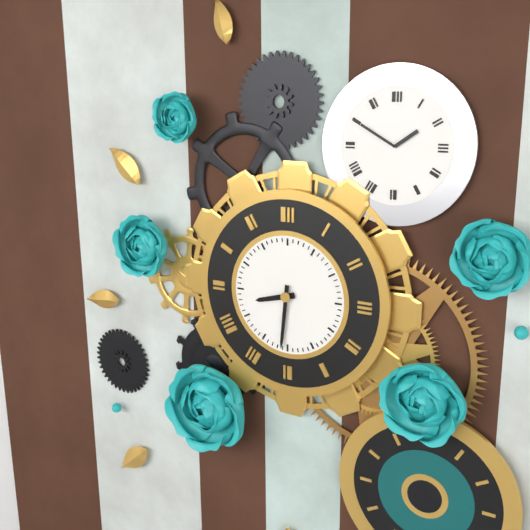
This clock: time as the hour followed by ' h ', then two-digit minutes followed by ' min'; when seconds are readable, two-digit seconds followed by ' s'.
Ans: 8 h 31 min
